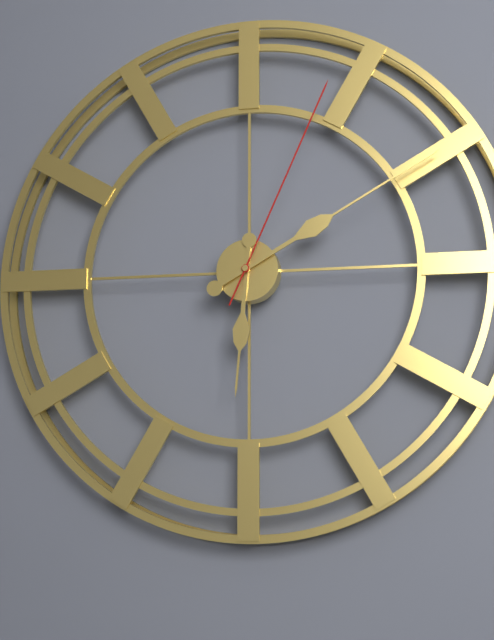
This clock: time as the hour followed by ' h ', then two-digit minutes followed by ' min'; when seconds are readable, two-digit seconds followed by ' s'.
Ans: 6 h 10 min 04 s
